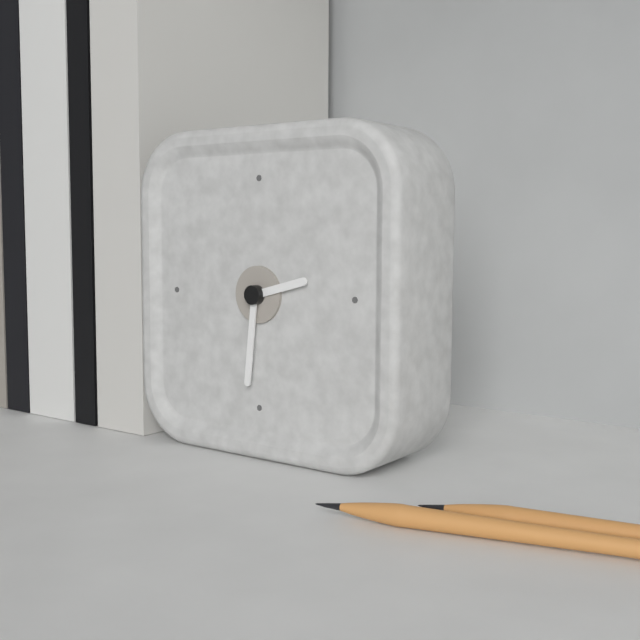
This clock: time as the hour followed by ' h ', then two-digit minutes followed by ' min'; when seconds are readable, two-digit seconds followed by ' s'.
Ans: 2 h 31 min
